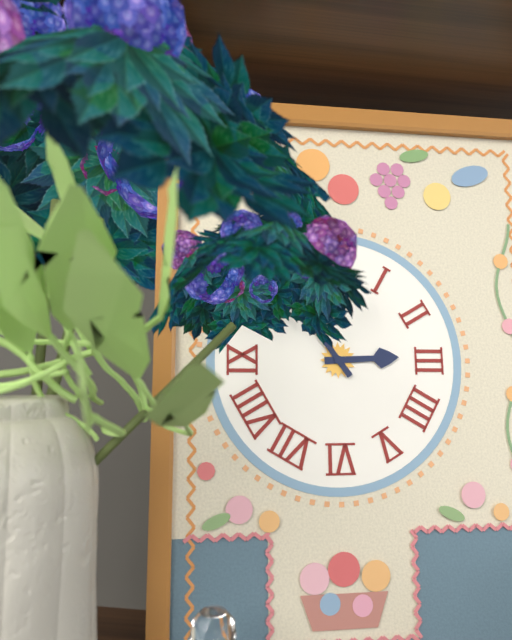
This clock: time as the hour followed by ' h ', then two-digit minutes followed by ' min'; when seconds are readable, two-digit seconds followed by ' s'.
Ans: 2 h 54 min
